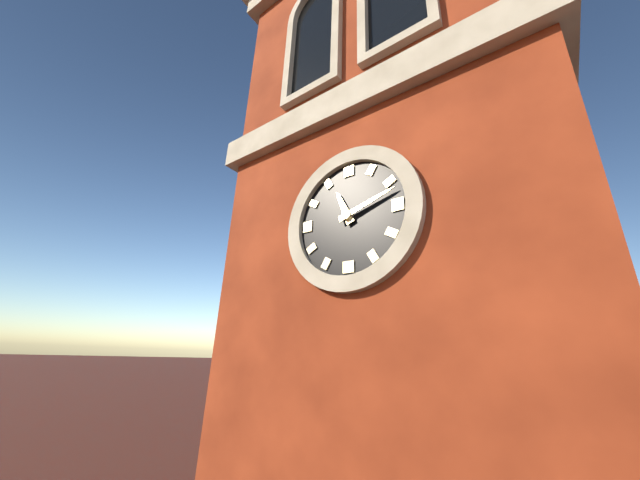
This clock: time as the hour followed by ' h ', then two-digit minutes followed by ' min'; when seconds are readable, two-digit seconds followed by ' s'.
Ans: 11 h 12 min
